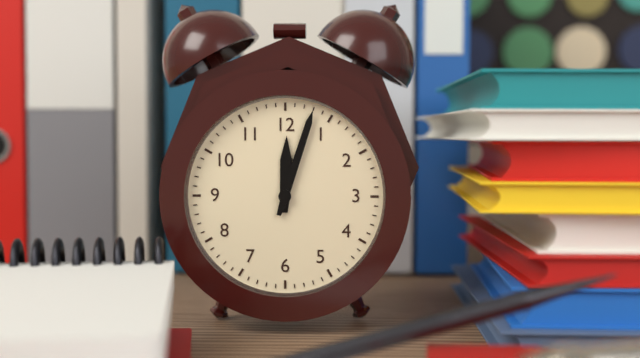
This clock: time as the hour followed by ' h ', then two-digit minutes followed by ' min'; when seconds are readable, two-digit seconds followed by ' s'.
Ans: 12 h 03 min
